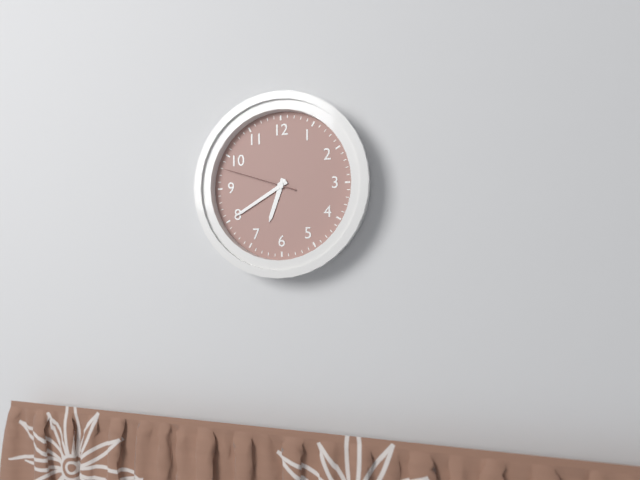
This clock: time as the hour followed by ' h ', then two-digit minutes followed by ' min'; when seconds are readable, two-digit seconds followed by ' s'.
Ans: 6 h 40 min 48 s
